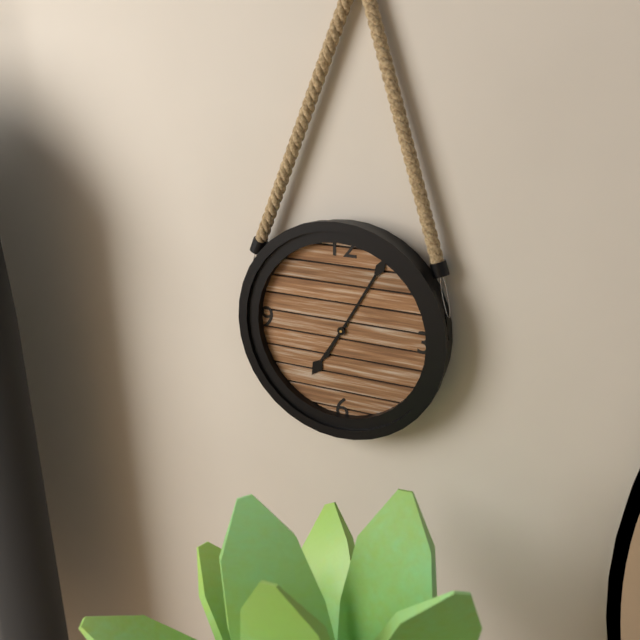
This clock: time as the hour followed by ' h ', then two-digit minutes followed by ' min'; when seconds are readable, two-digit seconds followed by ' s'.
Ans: 7 h 05 min
